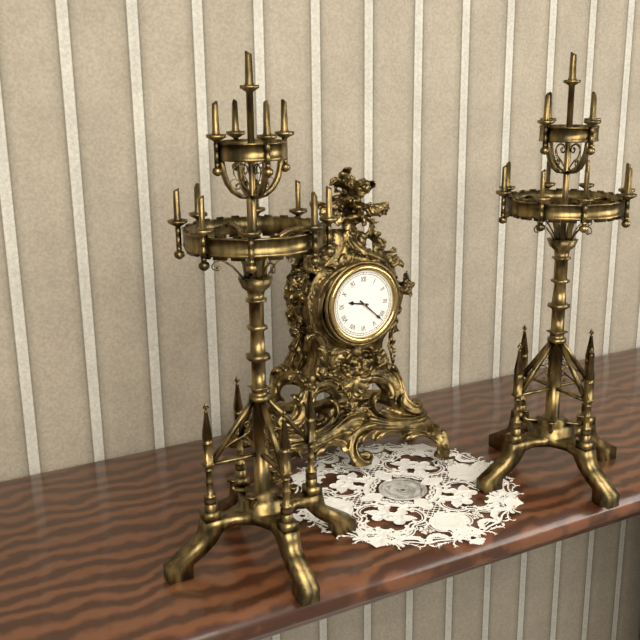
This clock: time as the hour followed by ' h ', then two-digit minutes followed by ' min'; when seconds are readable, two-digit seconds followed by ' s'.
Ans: 9 h 22 min
